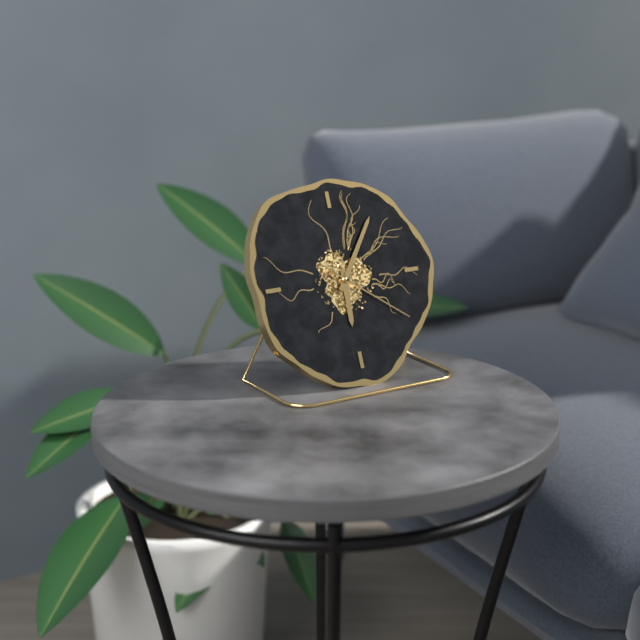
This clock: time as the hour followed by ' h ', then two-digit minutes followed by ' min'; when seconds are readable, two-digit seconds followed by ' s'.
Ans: 6 h 06 min 21 s
